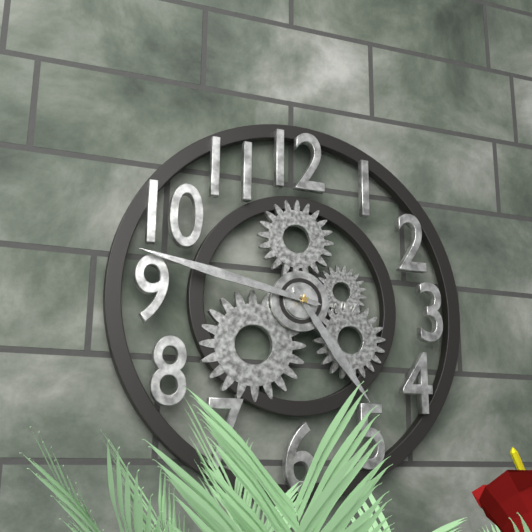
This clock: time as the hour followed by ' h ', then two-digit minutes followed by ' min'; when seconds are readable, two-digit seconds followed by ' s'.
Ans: 4 h 47 min
